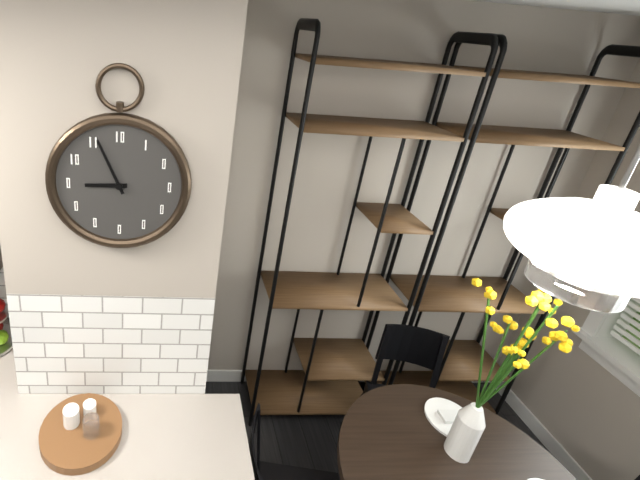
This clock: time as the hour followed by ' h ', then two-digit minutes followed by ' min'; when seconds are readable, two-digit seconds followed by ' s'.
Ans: 8 h 56 min
